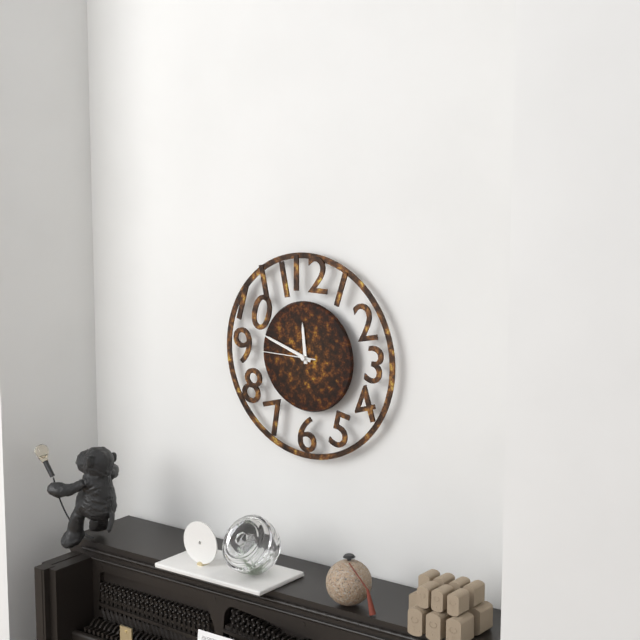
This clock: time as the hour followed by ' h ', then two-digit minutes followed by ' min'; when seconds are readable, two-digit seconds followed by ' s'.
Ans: 11 h 48 min 45 s
